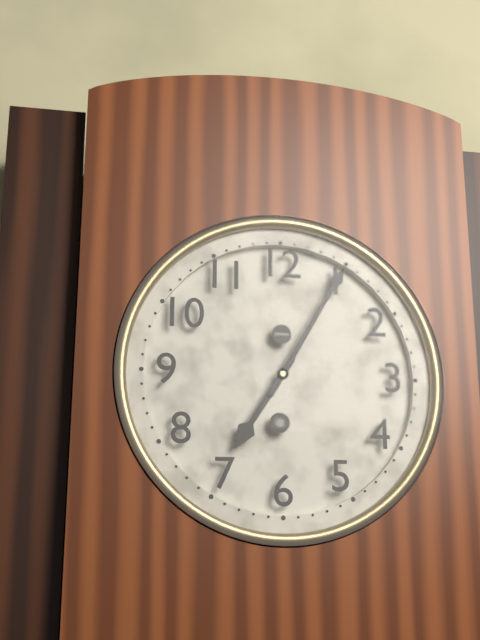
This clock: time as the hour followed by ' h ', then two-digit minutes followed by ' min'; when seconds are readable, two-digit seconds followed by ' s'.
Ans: 7 h 05 min
